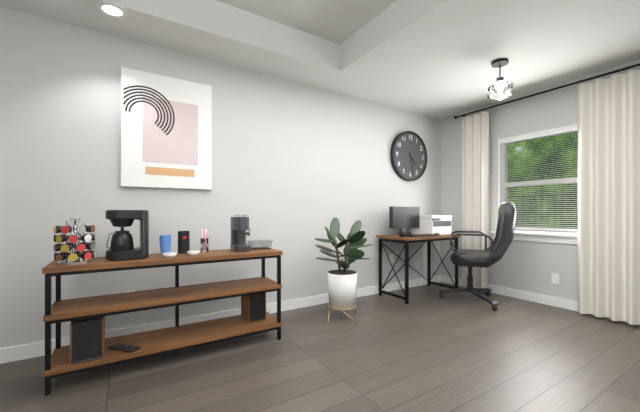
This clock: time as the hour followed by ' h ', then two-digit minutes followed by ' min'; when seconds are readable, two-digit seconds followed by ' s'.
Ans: 4 h 28 min
